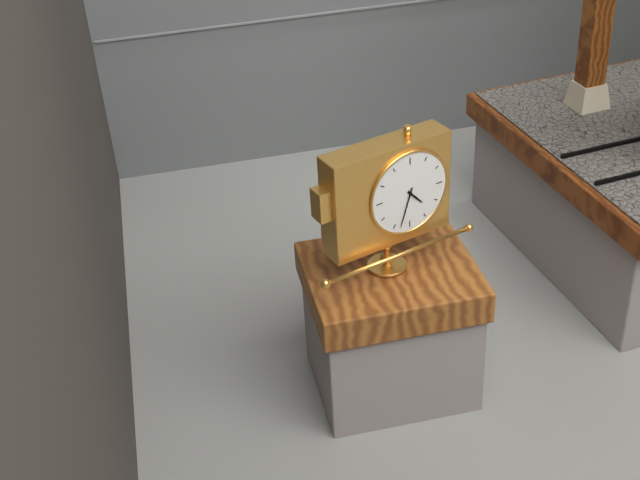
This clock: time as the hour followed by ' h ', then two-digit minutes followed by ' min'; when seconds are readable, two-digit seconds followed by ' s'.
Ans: 4 h 33 min
